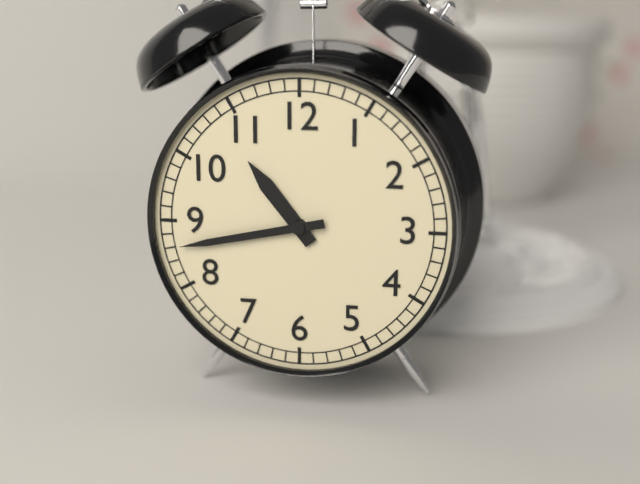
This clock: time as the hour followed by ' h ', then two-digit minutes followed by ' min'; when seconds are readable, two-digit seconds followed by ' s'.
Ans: 10 h 43 min
